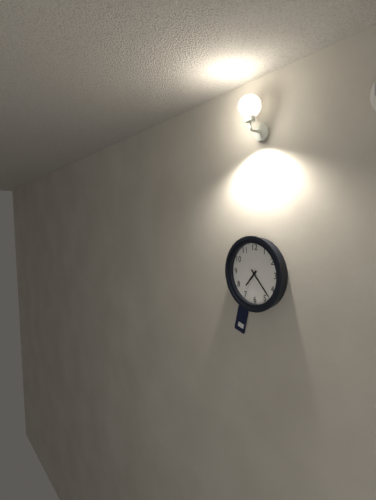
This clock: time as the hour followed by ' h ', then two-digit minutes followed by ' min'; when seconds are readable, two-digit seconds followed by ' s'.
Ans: 7 h 23 min
